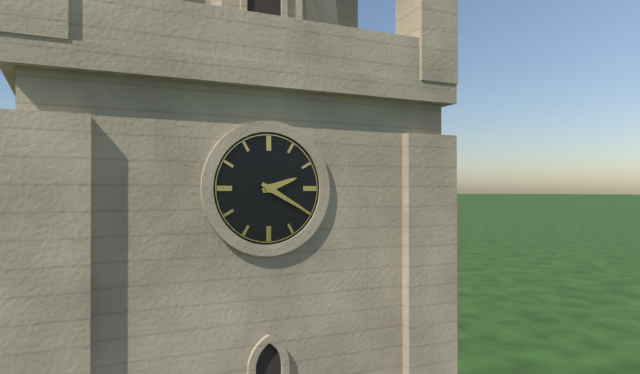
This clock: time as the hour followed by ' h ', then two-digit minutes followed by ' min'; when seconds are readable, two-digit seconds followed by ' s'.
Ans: 2 h 20 min
